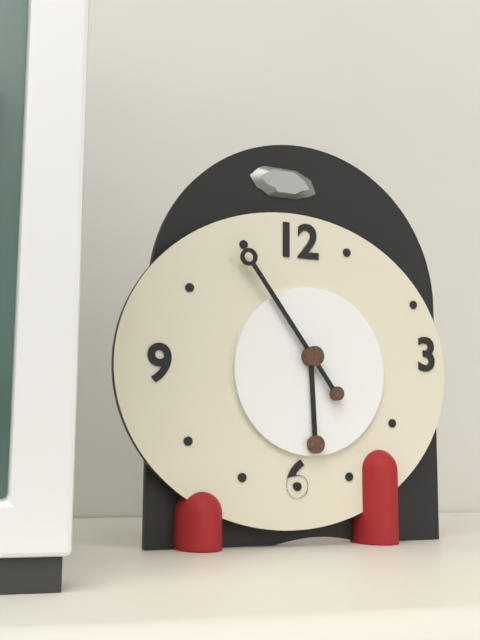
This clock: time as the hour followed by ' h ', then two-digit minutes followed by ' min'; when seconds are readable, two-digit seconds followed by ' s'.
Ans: 5 h 54 min
